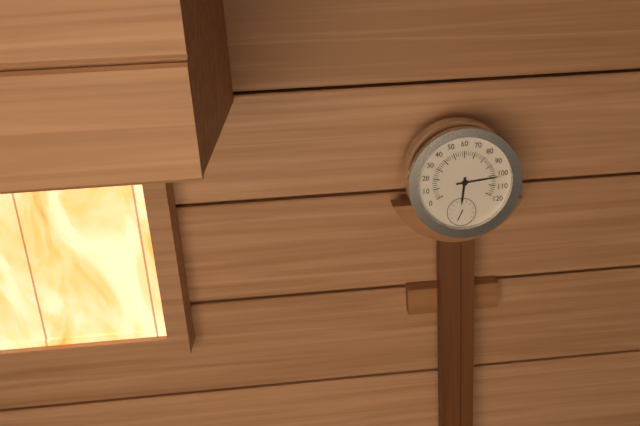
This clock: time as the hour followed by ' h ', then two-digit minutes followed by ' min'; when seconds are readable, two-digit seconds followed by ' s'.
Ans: 6 h 14 min
